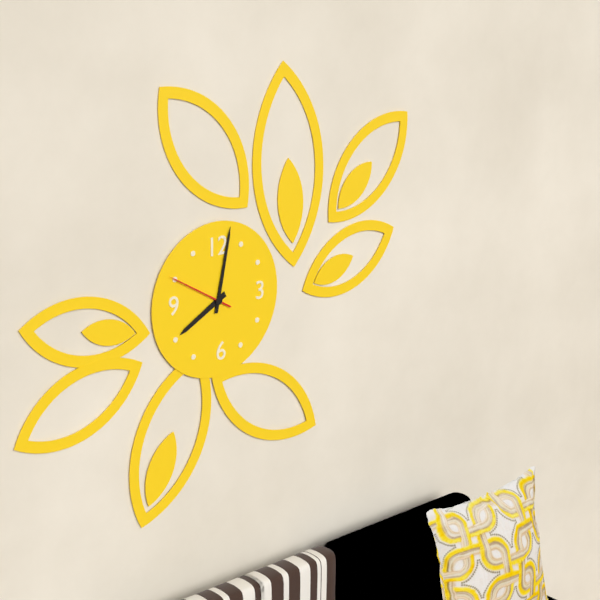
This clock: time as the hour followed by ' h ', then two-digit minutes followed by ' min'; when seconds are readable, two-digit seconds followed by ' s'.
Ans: 8 h 02 min 50 s
